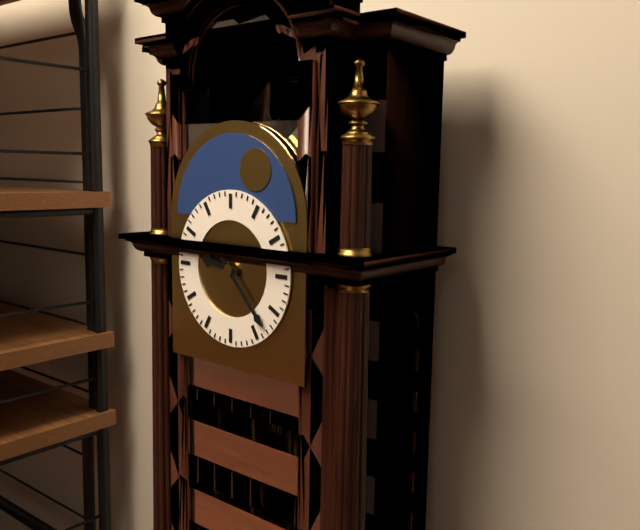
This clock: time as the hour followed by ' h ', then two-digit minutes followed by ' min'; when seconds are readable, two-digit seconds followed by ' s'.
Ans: 9 h 23 min
